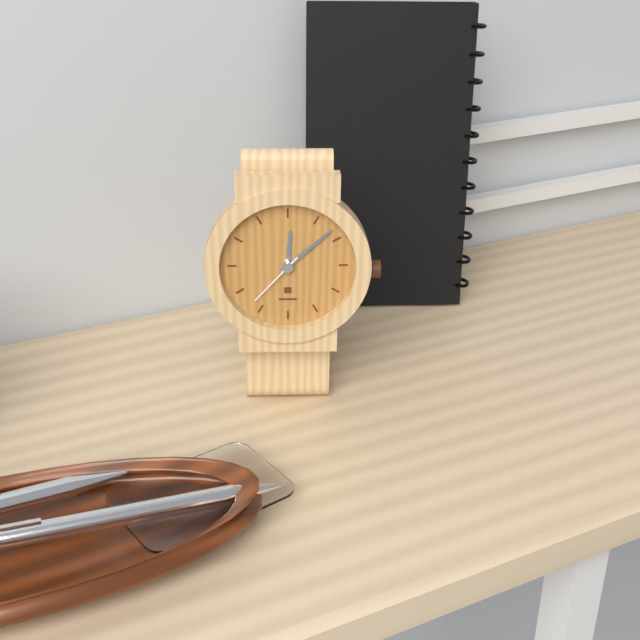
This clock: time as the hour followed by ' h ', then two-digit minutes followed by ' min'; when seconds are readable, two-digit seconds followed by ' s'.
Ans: 12 h 08 min 37 s
